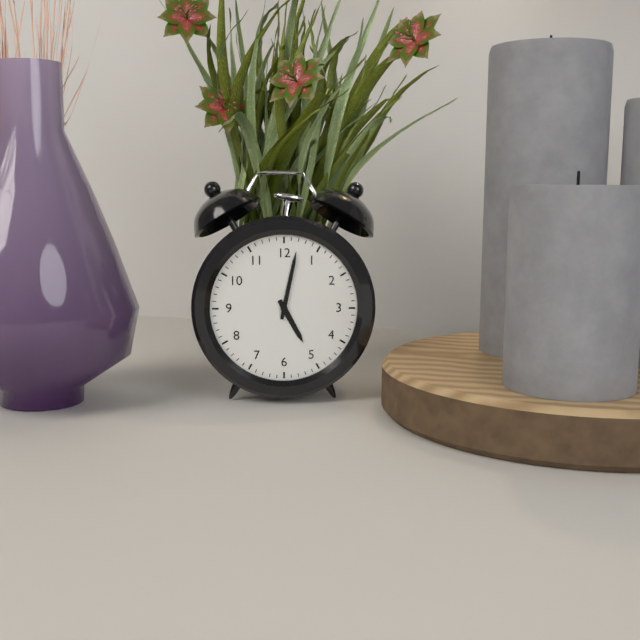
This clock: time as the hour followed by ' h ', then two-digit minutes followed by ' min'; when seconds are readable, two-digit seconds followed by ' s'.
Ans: 5 h 02 min
